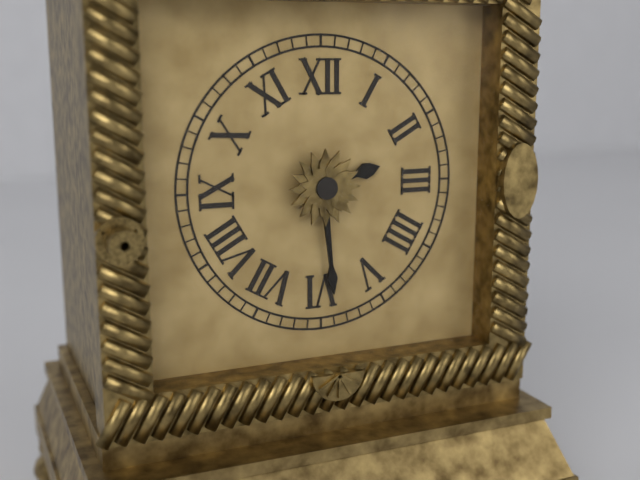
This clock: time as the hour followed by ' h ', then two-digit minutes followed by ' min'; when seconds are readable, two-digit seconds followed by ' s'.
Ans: 2 h 29 min
